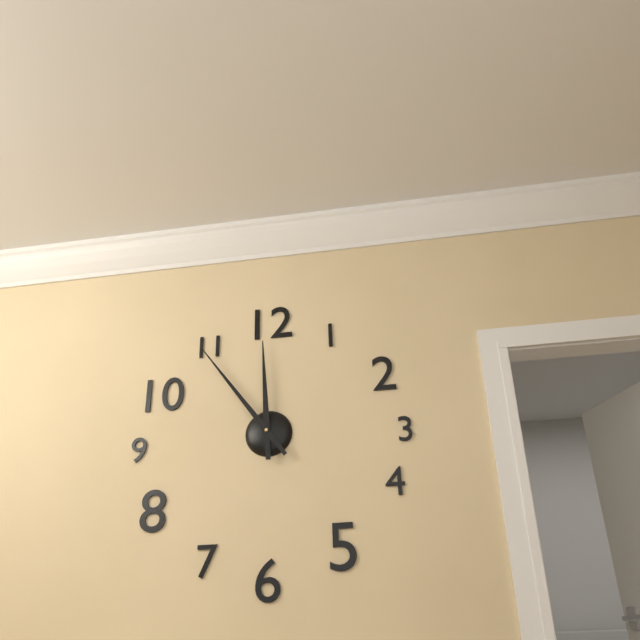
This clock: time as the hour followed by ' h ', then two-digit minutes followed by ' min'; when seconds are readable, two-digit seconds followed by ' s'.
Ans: 11 h 54 min
